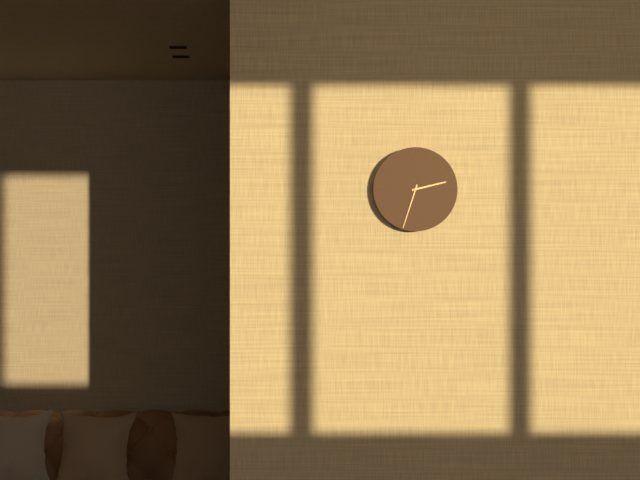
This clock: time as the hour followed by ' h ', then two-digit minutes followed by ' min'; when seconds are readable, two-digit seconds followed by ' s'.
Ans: 2 h 33 min
